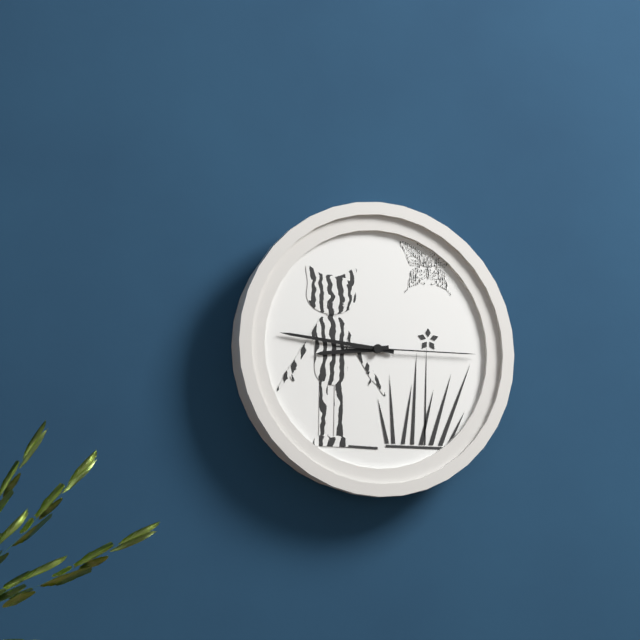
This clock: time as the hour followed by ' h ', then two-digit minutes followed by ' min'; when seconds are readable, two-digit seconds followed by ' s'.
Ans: 8 h 46 min 15 s
